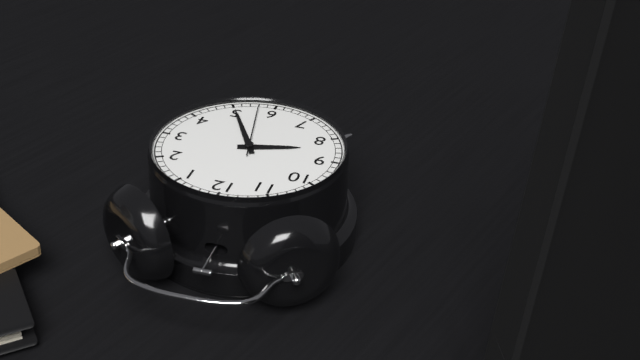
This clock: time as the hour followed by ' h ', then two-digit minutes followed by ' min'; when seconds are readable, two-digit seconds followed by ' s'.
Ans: 8 h 25 min 28 s
